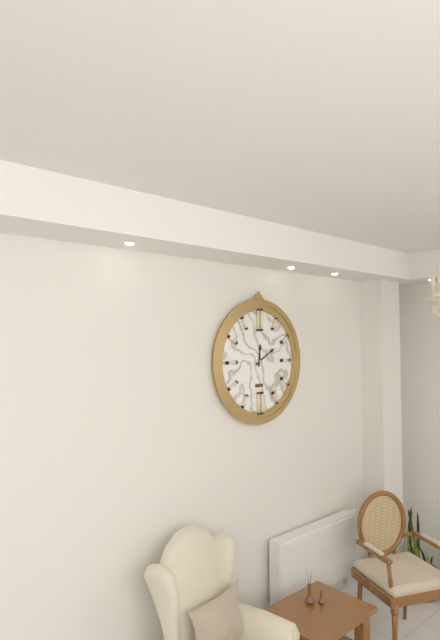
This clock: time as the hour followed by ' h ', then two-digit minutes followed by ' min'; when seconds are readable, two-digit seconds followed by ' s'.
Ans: 12 h 10 min
